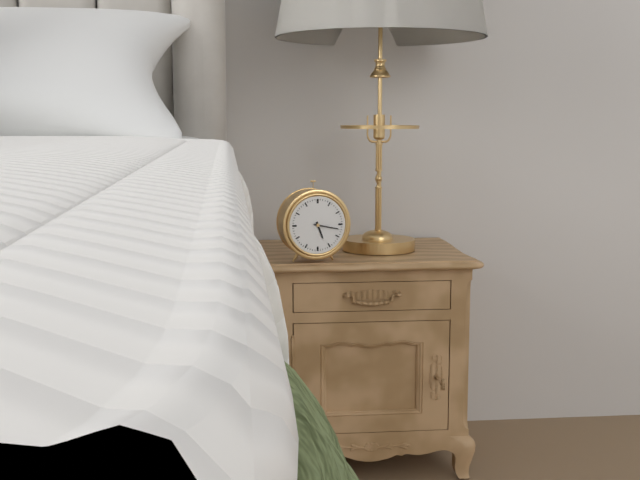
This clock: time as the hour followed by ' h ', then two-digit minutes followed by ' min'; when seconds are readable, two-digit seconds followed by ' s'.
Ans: 5 h 17 min
